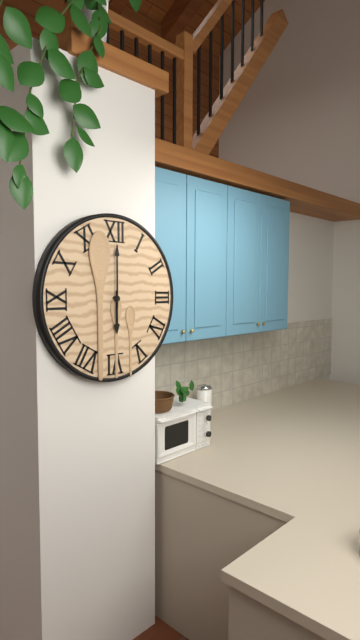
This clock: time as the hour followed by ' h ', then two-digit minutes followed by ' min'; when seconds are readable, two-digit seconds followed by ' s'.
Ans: 6 h 00 min
